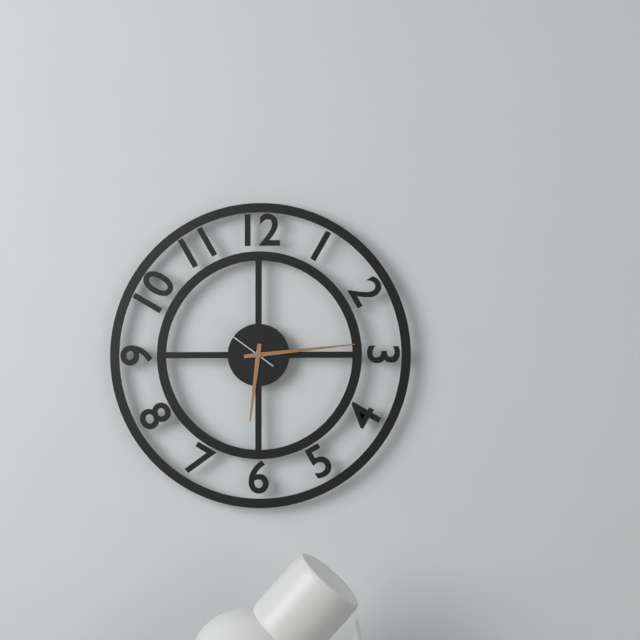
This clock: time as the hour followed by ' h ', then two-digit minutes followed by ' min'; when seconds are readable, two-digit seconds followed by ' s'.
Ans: 6 h 14 min 51 s
